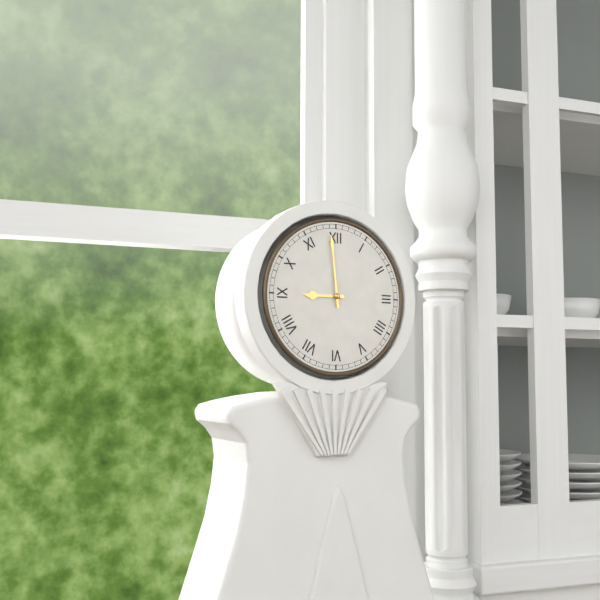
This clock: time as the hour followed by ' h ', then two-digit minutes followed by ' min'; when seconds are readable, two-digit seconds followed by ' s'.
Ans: 8 h 59 min
